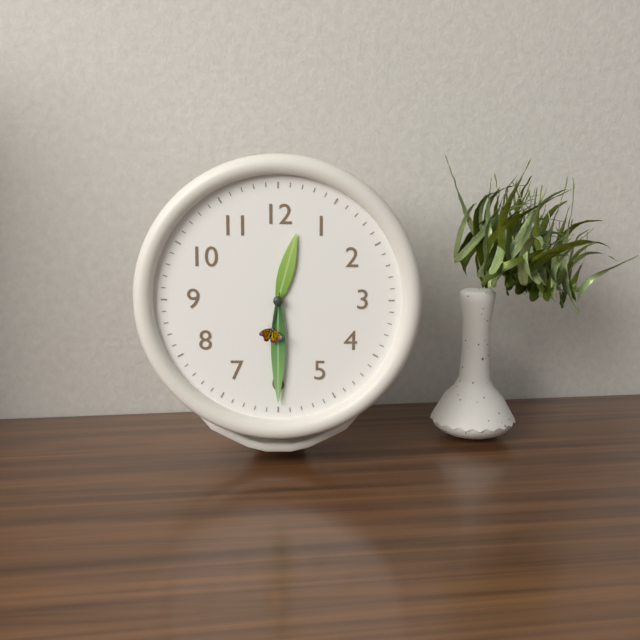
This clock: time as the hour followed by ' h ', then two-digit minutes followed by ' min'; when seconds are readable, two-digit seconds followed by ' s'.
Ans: 12 h 30 min 32 s
